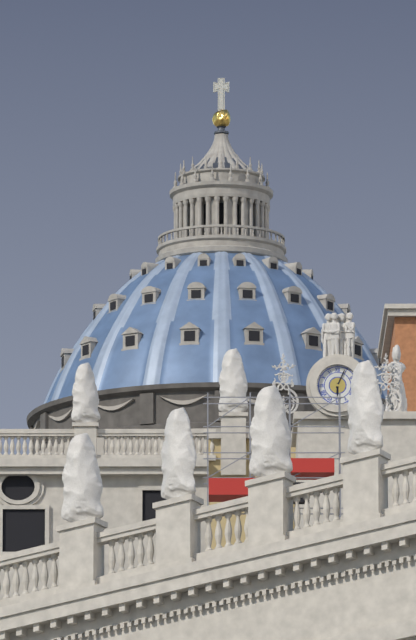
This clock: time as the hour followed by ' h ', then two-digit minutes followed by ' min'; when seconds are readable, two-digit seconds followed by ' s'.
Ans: 6 h 04 min
